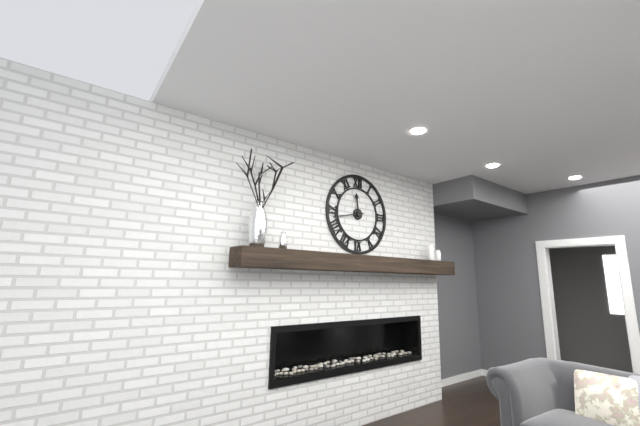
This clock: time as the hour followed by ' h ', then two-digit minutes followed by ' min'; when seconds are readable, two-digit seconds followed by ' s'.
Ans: 11 h 43 min
